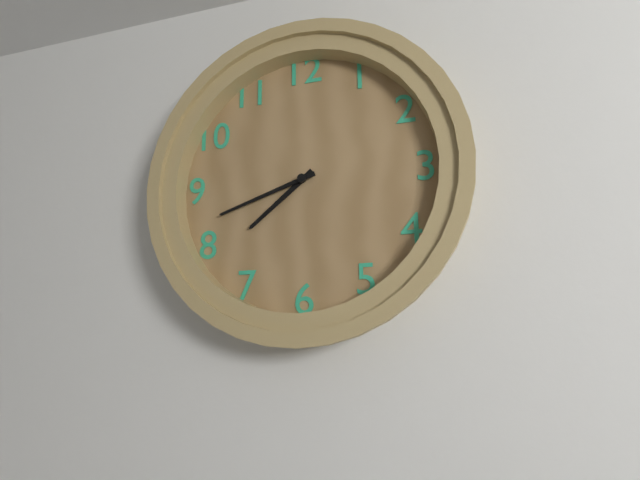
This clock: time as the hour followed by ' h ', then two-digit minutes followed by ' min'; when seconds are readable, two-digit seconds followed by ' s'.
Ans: 7 h 42 min
